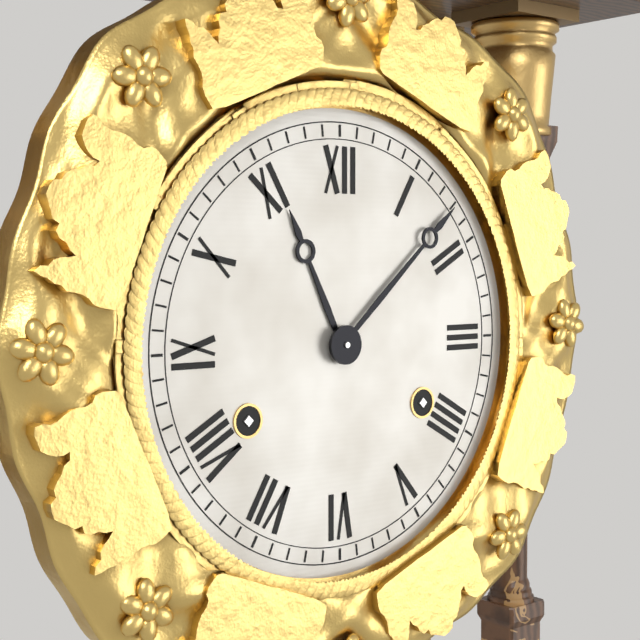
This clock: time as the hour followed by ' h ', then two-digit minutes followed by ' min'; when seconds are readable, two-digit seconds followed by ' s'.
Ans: 11 h 08 min
